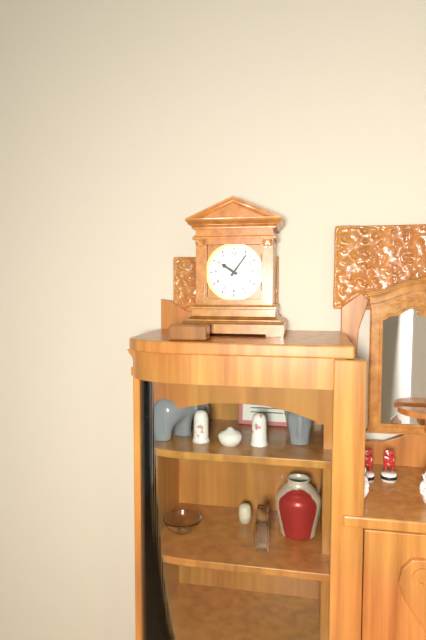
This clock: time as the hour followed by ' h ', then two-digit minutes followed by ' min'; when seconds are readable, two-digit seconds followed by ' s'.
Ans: 10 h 06 min
